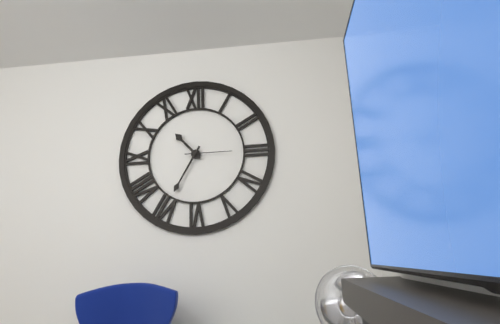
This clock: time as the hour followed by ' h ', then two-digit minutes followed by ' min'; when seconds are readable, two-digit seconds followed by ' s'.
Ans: 10 h 35 min
